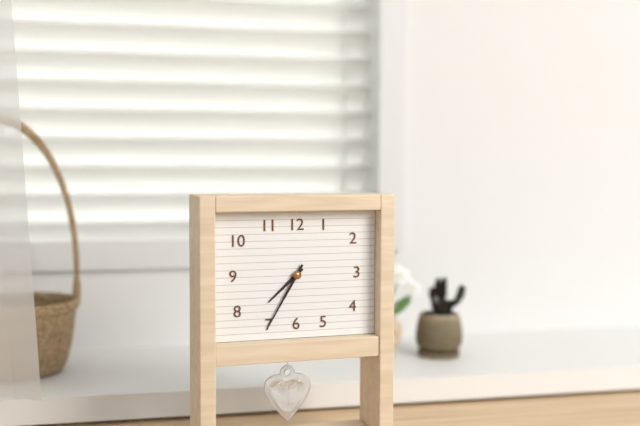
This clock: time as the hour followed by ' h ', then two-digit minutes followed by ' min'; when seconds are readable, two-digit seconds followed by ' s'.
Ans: 7 h 35 min
